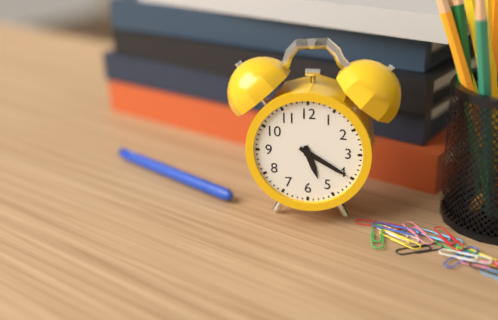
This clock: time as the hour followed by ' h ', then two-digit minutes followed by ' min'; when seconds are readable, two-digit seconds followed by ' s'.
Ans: 5 h 20 min
